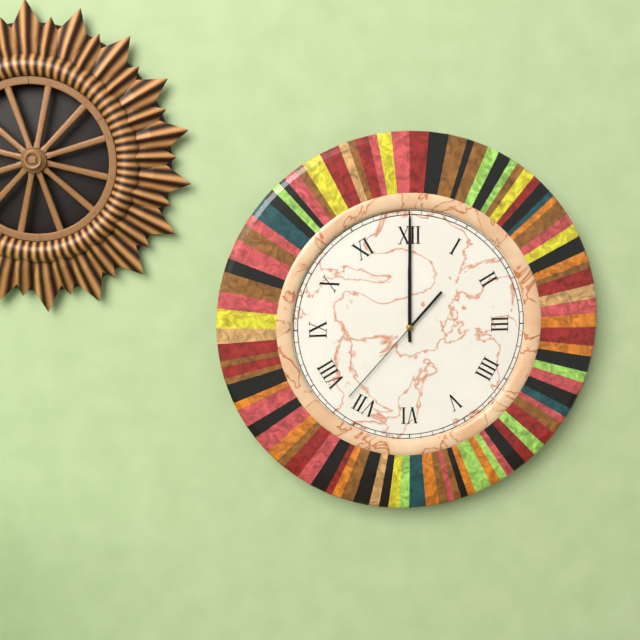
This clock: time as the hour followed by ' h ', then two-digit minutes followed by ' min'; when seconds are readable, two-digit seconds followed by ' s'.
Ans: 12 h 00 min 37 s
